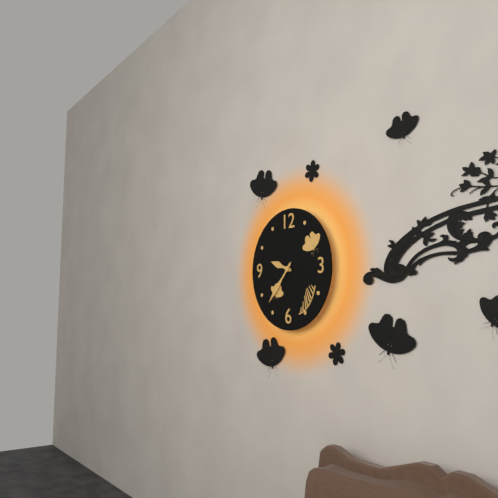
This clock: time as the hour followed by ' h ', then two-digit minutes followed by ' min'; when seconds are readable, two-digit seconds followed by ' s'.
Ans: 9 h 37 min
